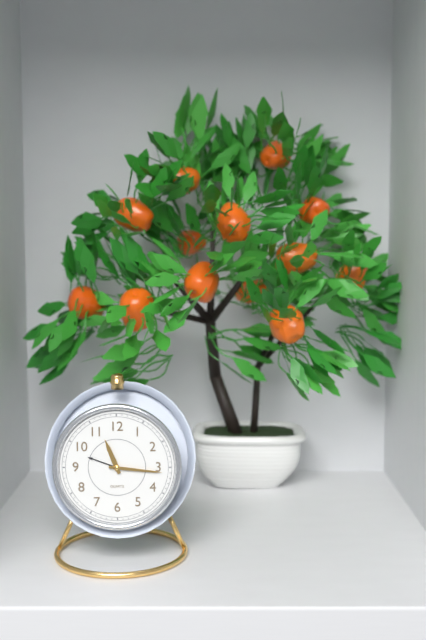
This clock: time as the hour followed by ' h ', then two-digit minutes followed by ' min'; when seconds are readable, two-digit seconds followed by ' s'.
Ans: 11 h 16 min
